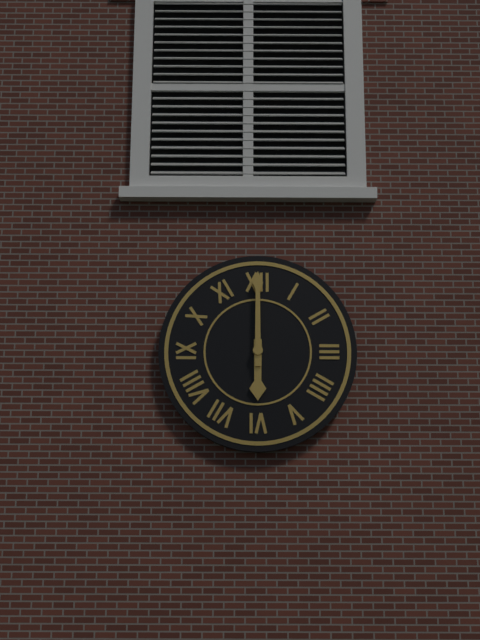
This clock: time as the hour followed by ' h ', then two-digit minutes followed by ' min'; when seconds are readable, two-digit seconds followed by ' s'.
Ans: 6 h 00 min
